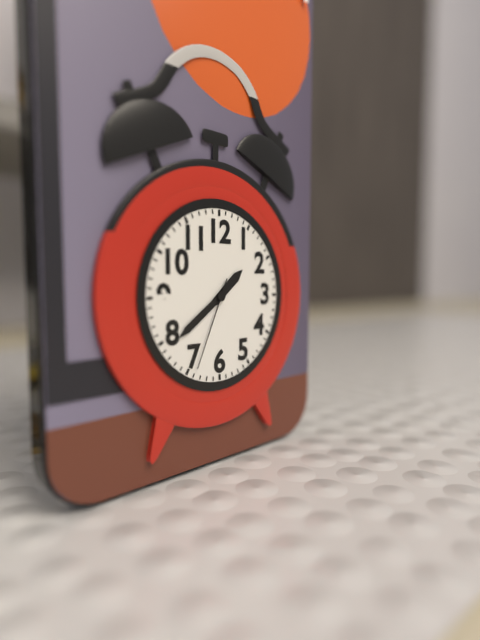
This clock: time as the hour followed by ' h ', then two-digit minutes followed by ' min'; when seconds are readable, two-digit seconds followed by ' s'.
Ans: 1 h 39 min 34 s
